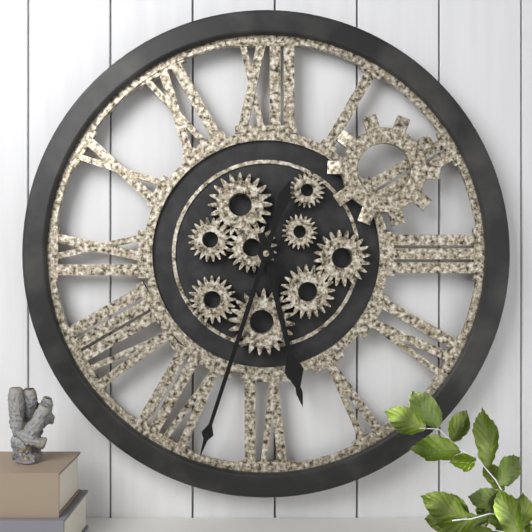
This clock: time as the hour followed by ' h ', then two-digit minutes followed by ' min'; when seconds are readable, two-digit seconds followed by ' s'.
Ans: 5 h 33 min
